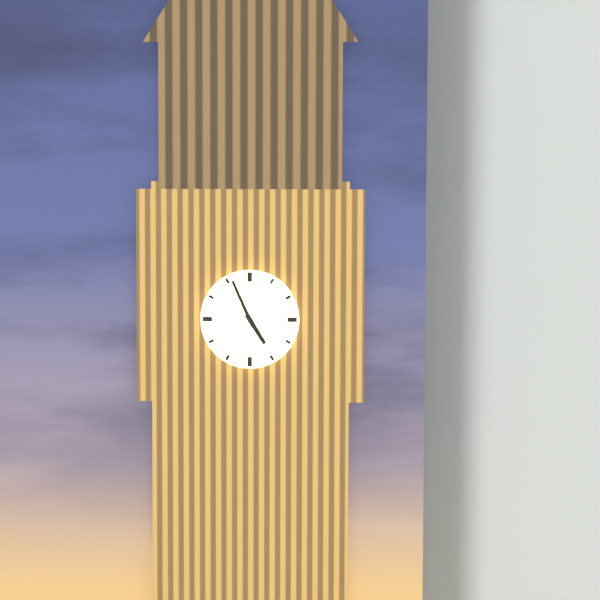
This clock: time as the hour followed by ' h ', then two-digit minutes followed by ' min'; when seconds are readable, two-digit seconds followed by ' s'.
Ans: 4 h 56 min
